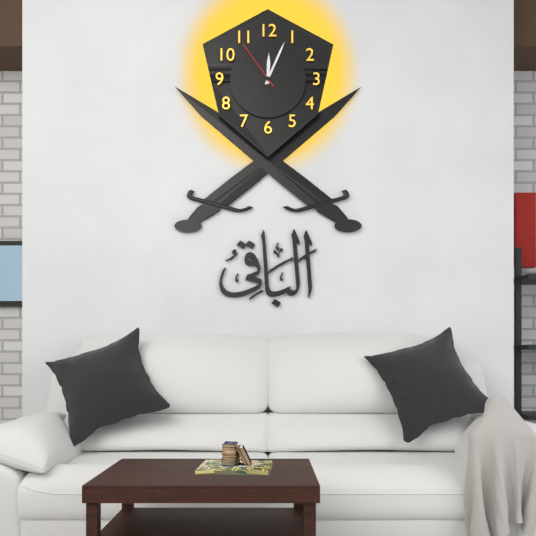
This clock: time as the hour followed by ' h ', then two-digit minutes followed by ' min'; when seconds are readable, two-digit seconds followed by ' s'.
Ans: 12 h 04 min 54 s
